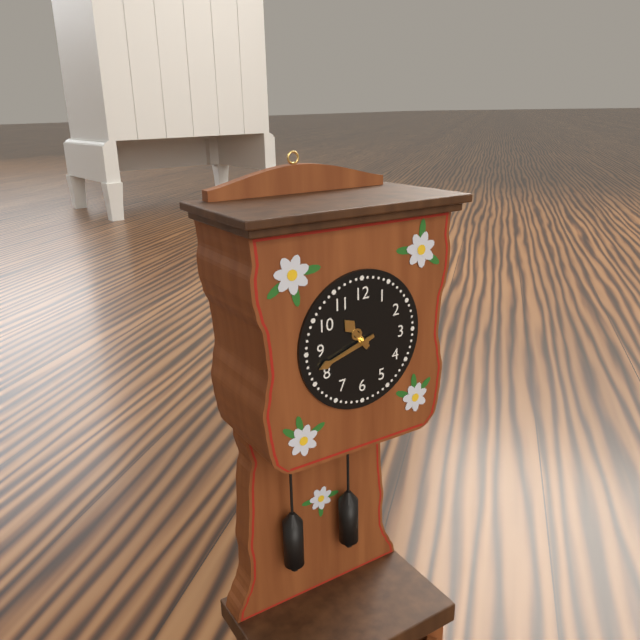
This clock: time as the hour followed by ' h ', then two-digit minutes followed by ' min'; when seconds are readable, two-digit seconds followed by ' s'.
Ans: 10 h 42 min
